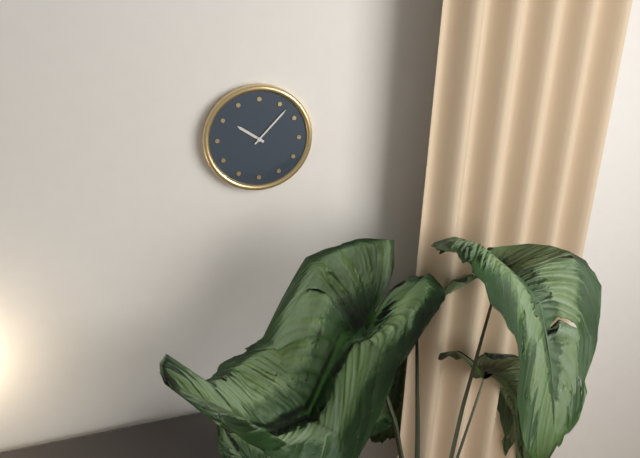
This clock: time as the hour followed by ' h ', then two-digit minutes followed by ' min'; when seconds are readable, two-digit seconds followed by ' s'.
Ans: 10 h 07 min
